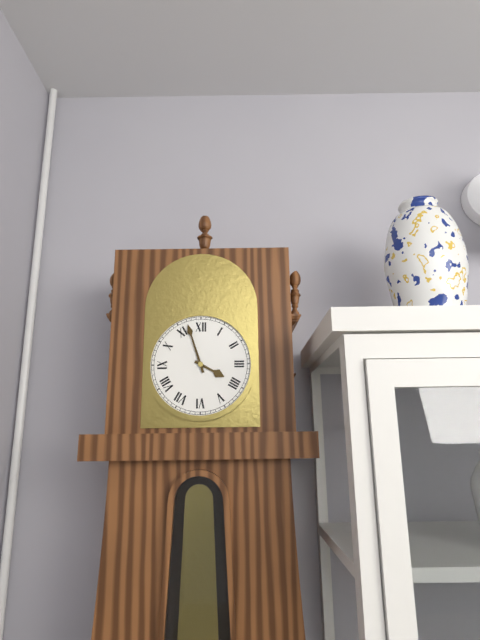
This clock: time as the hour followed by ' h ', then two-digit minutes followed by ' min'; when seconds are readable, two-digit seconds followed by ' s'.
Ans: 3 h 57 min
